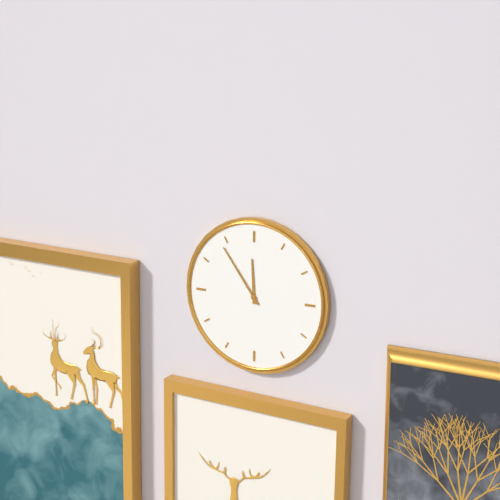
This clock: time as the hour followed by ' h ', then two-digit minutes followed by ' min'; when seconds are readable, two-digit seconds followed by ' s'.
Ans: 11 h 54 min
